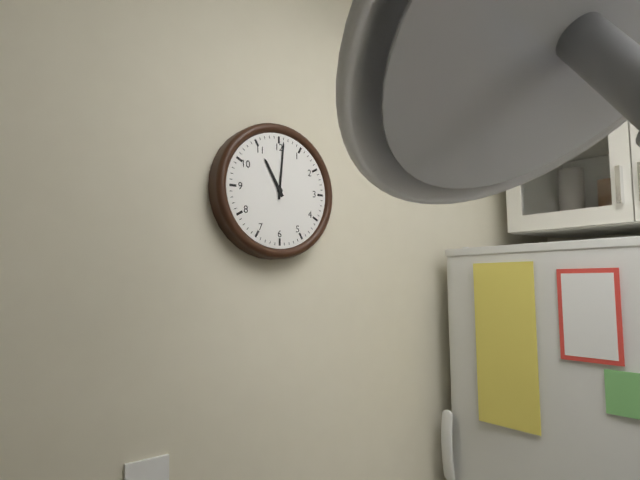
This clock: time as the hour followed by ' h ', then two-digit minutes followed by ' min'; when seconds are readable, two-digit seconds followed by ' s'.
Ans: 11 h 01 min
